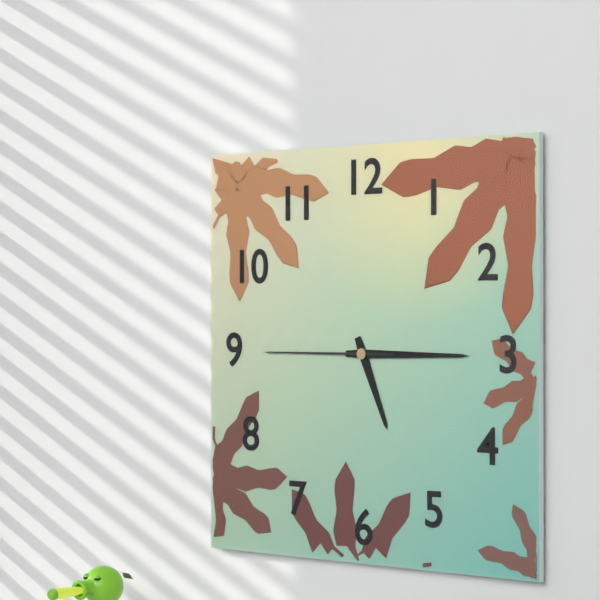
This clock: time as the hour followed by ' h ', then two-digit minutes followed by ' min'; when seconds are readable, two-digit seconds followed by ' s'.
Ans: 5 h 15 min 45 s
